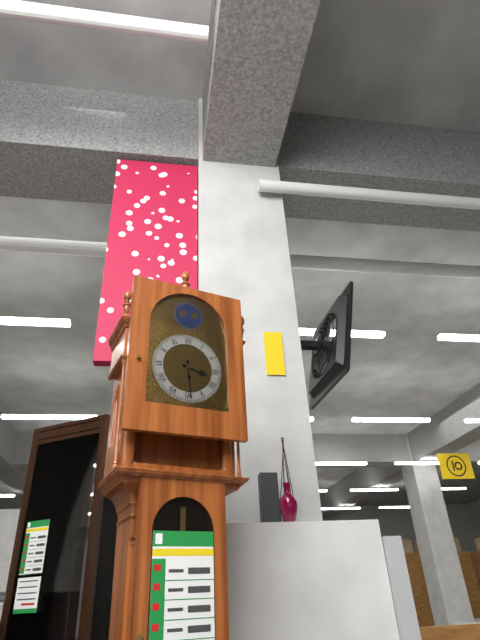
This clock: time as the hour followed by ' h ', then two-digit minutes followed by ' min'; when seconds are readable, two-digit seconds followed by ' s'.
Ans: 3 h 29 min
